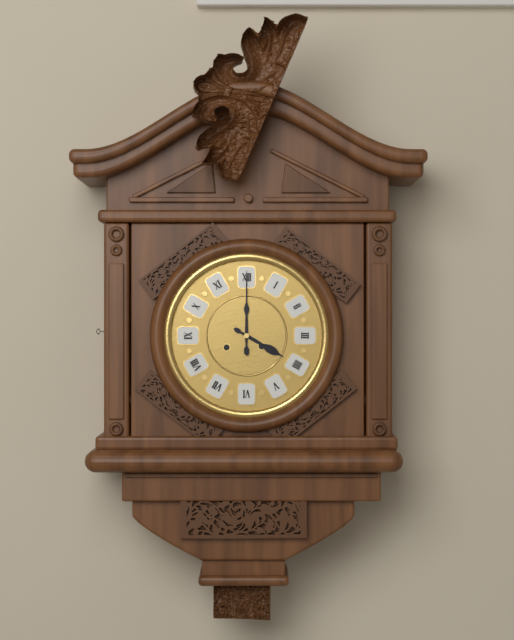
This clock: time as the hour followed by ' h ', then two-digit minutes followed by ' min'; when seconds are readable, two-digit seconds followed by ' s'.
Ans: 4 h 00 min
